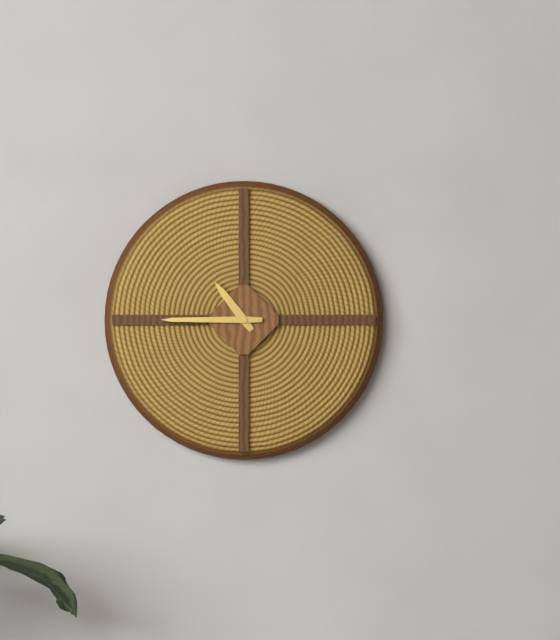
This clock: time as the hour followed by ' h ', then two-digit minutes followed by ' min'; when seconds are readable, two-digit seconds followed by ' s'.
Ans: 10 h 45 min
